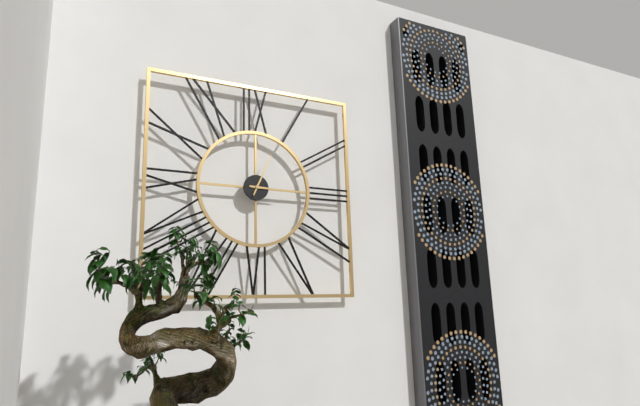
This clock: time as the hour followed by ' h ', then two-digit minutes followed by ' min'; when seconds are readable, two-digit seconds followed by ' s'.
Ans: 3 h 04 min
